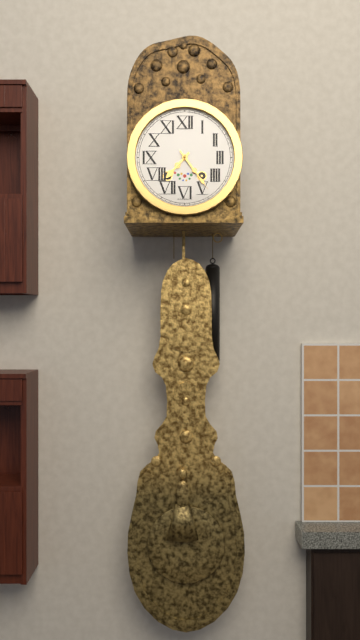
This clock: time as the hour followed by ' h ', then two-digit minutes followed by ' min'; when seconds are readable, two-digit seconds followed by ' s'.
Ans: 7 h 24 min
